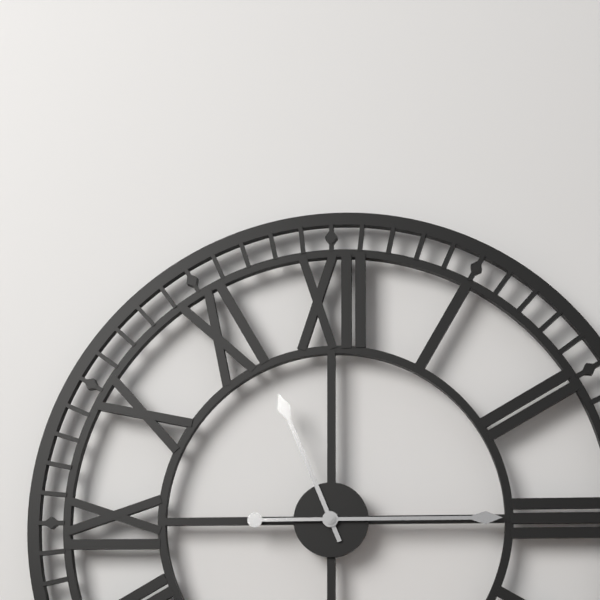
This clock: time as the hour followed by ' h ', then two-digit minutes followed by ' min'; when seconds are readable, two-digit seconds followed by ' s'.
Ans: 11 h 15 min
